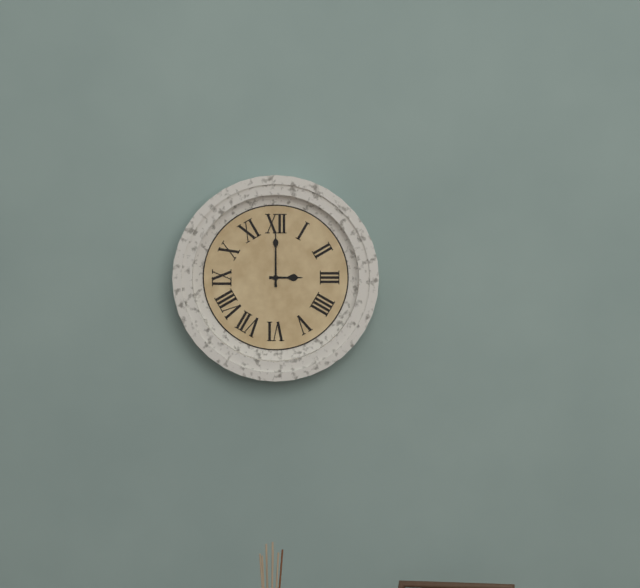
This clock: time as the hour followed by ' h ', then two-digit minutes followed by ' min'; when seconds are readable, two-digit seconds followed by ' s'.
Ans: 3 h 00 min
